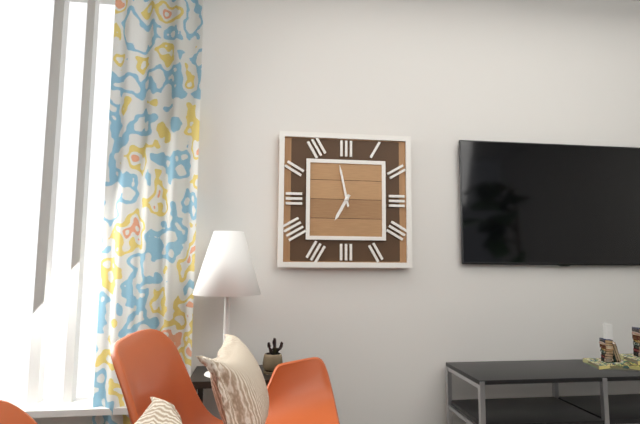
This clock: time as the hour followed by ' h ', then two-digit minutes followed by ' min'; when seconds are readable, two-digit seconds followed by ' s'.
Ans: 6 h 58 min
